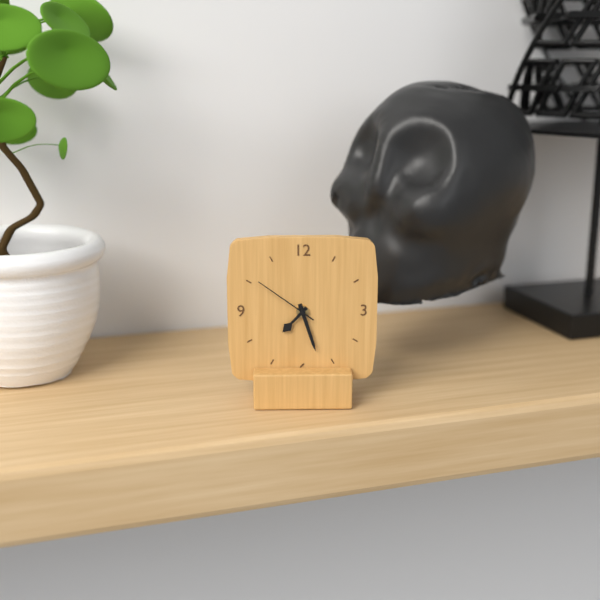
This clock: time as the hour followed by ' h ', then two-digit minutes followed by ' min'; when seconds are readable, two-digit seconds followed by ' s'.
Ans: 7 h 27 min 51 s
